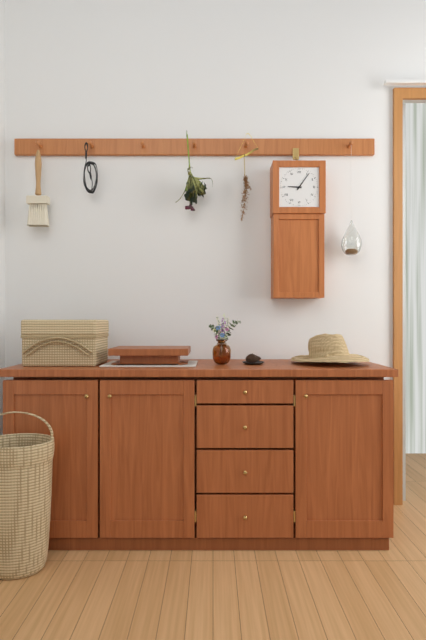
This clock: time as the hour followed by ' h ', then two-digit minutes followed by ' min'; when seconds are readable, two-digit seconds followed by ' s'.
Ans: 9 h 06 min
